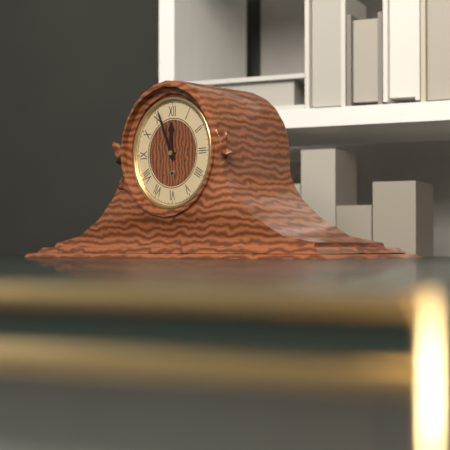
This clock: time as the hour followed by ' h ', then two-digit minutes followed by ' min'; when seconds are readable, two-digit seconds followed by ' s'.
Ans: 11 h 56 min
